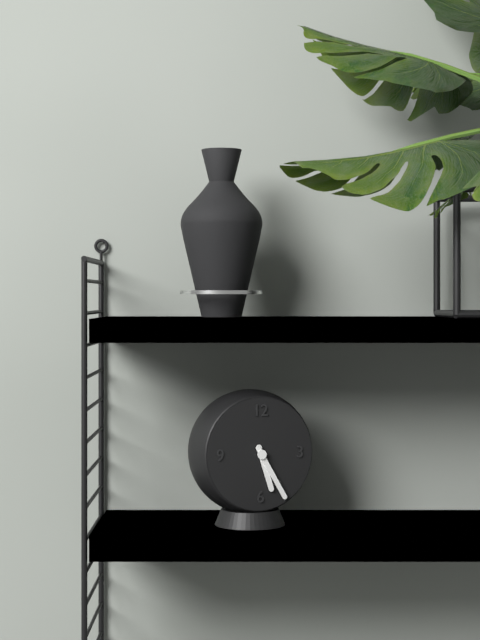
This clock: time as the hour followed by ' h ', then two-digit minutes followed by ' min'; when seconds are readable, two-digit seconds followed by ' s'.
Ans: 5 h 25 min
